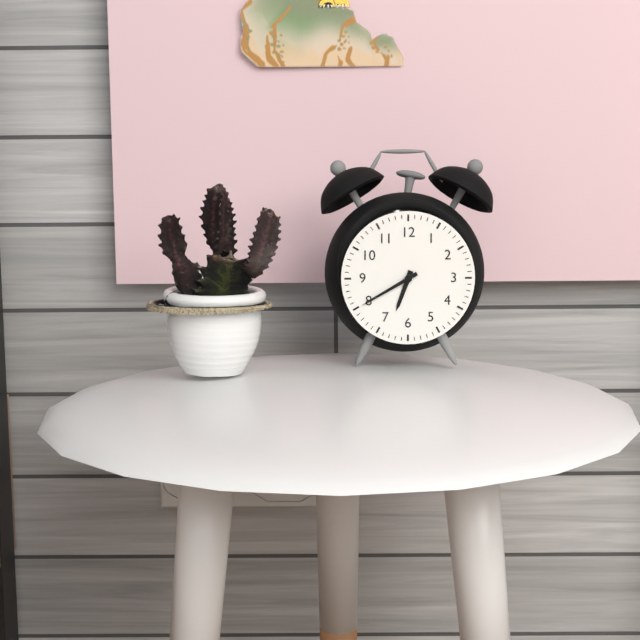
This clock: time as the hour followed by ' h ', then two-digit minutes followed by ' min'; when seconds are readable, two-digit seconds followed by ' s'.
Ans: 6 h 40 min
